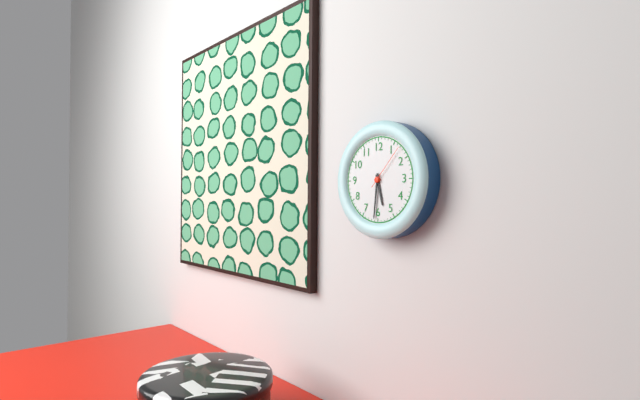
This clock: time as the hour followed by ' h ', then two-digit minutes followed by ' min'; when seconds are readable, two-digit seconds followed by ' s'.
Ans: 5 h 31 min
